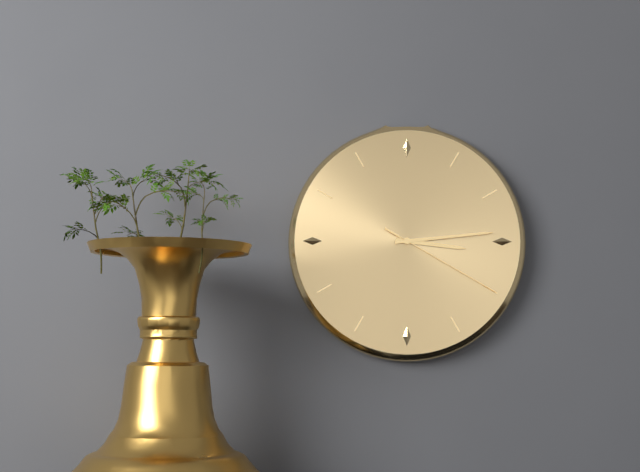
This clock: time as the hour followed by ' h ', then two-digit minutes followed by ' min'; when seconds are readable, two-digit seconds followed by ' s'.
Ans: 3 h 14 min 20 s
